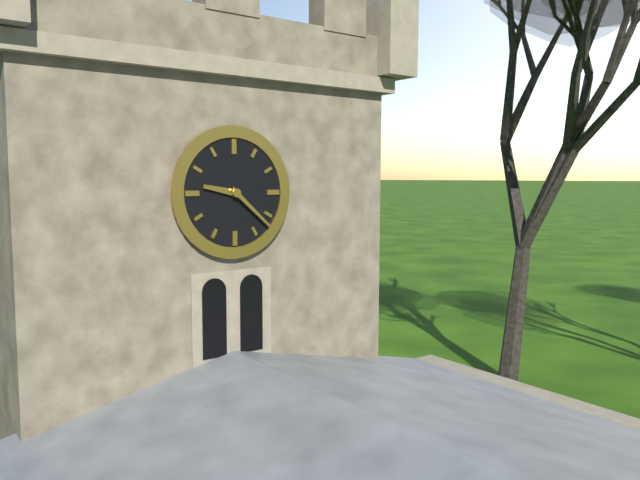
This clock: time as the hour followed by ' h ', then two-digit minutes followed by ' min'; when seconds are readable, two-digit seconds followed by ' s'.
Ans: 9 h 22 min
